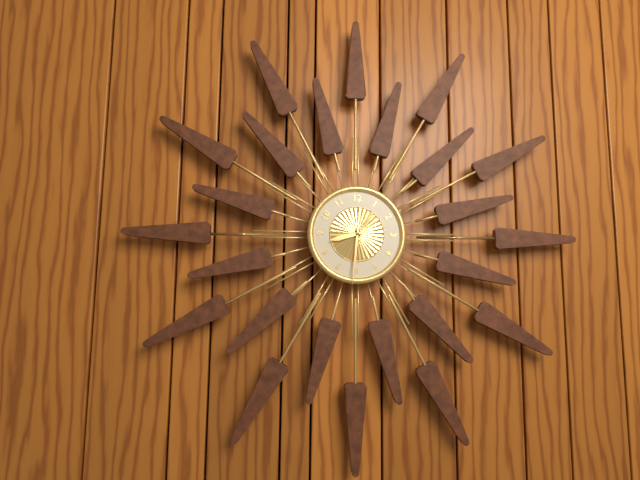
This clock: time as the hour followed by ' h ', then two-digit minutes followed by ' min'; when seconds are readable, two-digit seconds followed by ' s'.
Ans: 8 h 31 min
